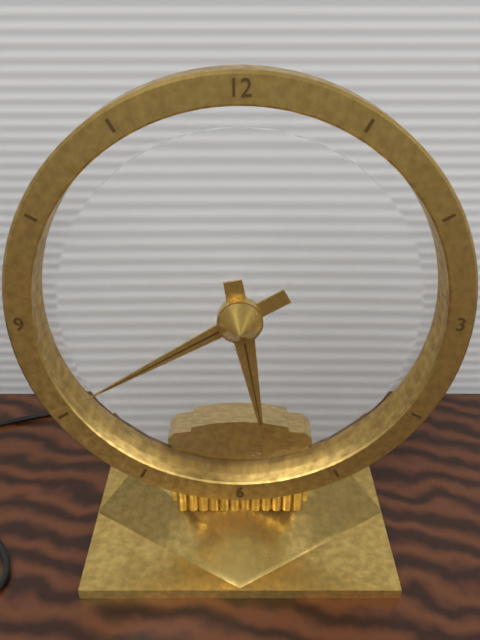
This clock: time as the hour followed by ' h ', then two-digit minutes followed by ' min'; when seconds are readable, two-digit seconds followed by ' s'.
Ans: 5 h 40 min
